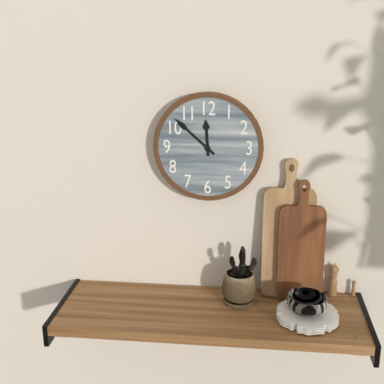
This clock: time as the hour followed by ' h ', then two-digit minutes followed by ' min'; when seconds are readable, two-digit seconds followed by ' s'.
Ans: 11 h 52 min
